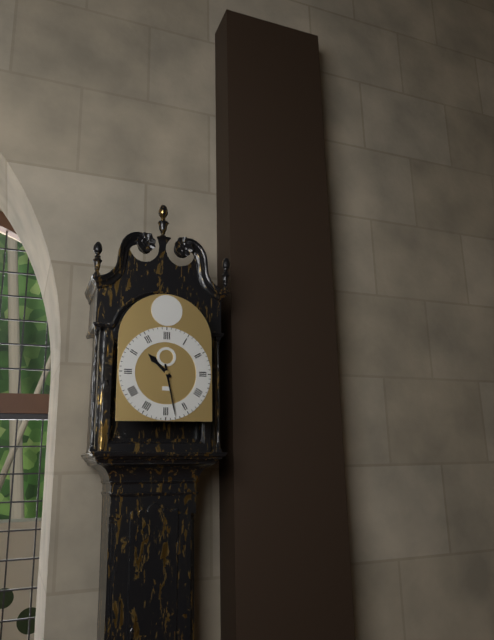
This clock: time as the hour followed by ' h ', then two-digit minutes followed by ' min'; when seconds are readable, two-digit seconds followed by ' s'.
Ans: 10 h 28 min
